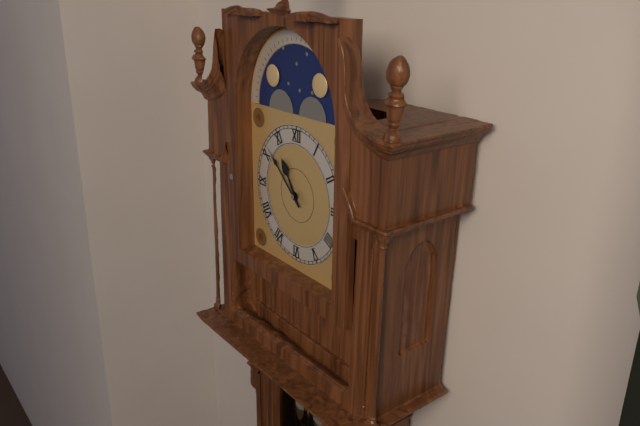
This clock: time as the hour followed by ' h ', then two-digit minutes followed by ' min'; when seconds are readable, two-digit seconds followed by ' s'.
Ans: 10 h 52 min
